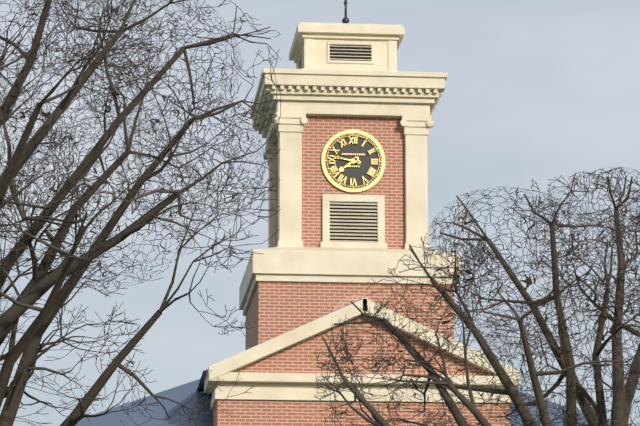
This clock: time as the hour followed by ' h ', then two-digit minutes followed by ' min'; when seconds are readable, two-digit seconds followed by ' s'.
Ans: 7 h 47 min
